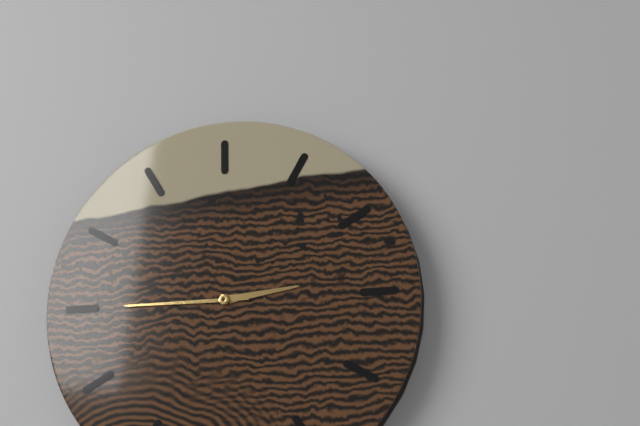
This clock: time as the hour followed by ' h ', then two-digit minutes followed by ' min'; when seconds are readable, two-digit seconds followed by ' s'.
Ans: 2 h 45 min
